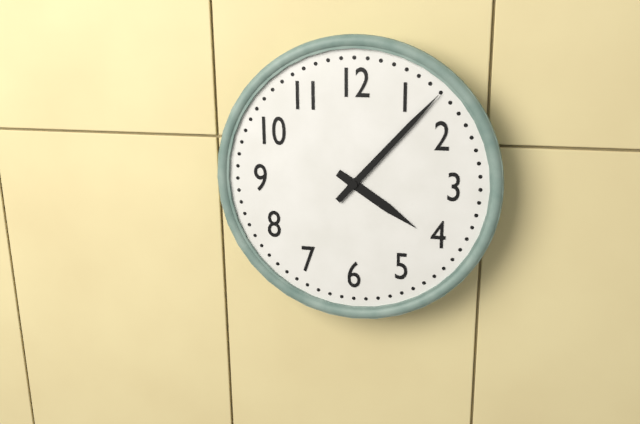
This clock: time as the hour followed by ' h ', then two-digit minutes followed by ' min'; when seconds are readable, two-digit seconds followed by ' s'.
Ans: 4 h 07 min
